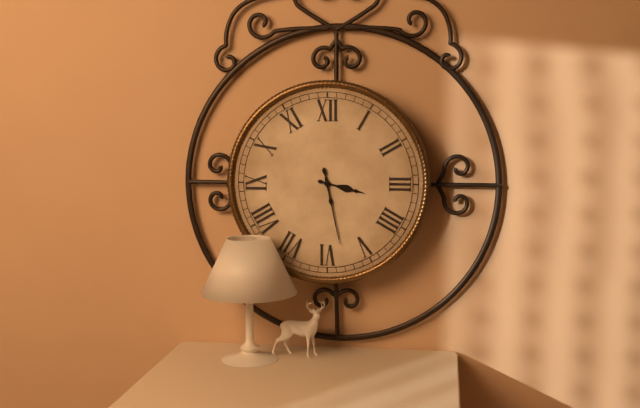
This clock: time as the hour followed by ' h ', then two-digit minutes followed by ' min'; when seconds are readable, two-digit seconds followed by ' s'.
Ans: 3 h 28 min
